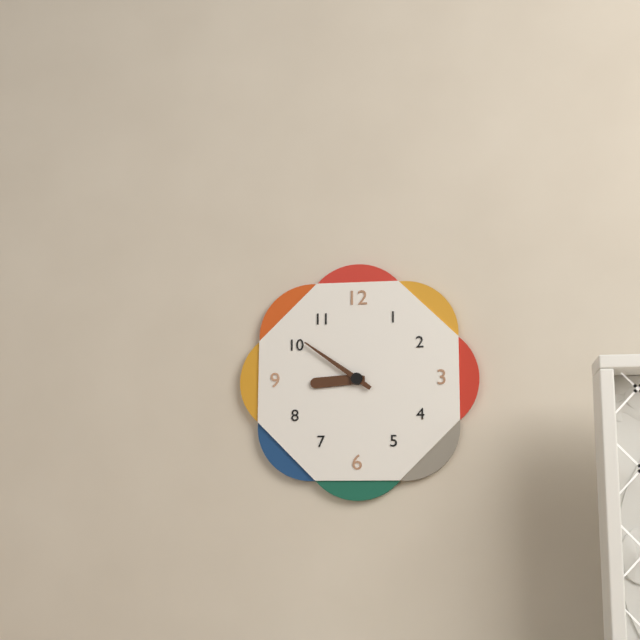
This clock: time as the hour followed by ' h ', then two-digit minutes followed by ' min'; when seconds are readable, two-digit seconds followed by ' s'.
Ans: 8 h 51 min
